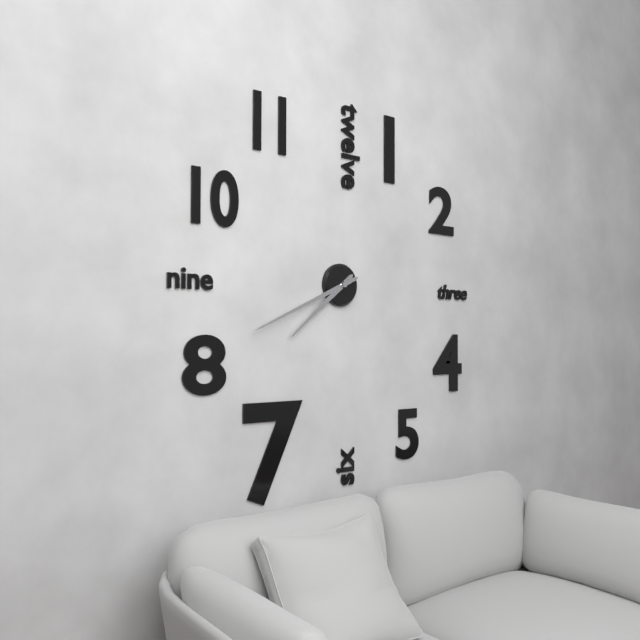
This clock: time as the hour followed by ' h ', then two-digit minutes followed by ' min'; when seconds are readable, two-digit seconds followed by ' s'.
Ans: 7 h 41 min
